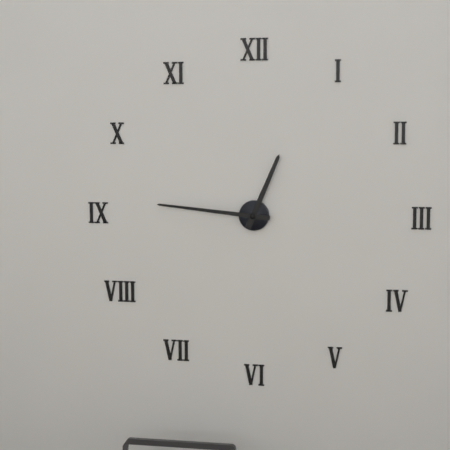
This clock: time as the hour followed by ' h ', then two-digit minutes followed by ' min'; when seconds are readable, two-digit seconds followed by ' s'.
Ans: 12 h 46 min
